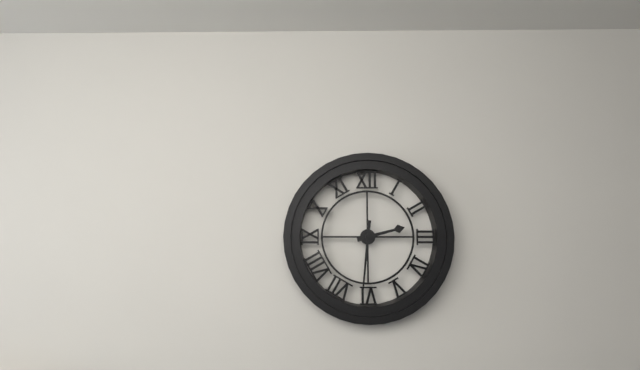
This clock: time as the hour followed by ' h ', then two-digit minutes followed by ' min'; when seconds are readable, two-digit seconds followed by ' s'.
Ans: 2 h 31 min
